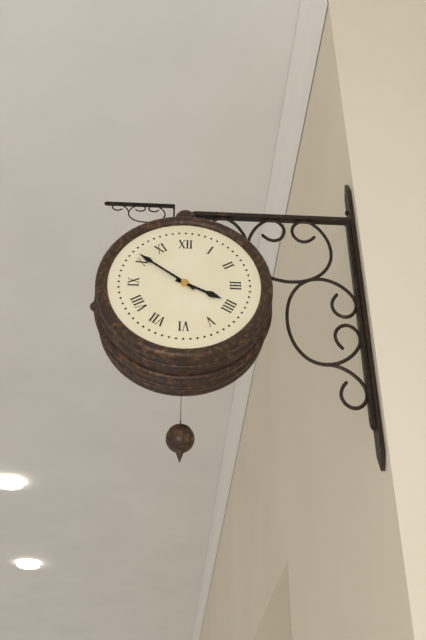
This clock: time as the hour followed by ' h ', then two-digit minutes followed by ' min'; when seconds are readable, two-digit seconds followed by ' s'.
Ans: 3 h 51 min
